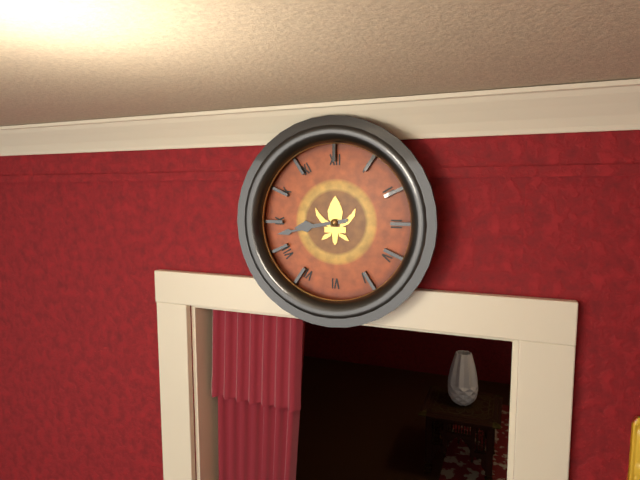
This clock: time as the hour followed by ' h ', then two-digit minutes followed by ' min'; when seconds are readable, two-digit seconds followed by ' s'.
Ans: 8 h 43 min
